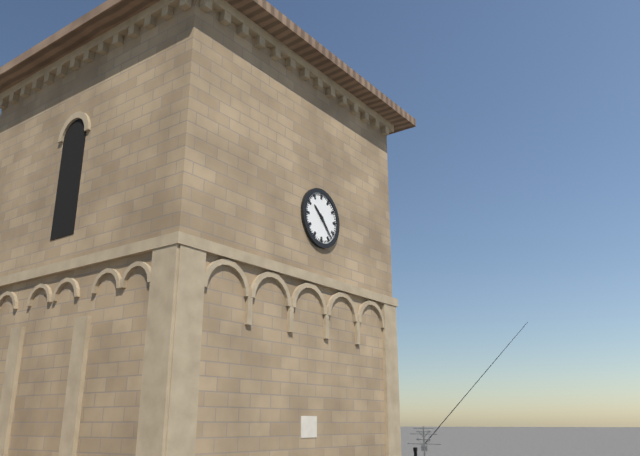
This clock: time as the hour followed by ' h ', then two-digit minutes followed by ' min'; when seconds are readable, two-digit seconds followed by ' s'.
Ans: 10 h 23 min
